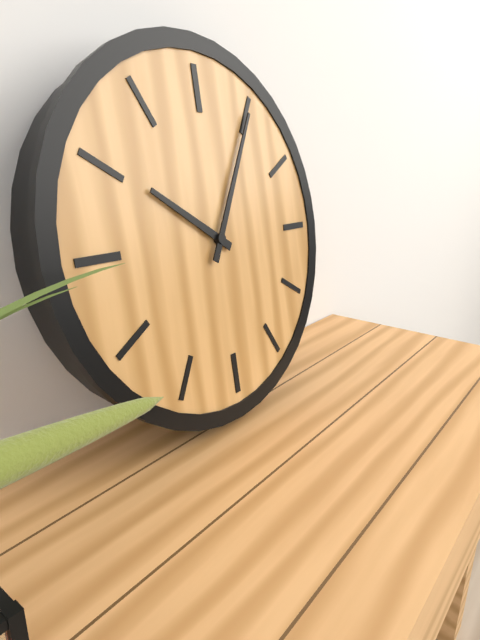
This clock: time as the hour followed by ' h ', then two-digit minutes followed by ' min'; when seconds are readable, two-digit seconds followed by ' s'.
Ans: 10 h 05 min
